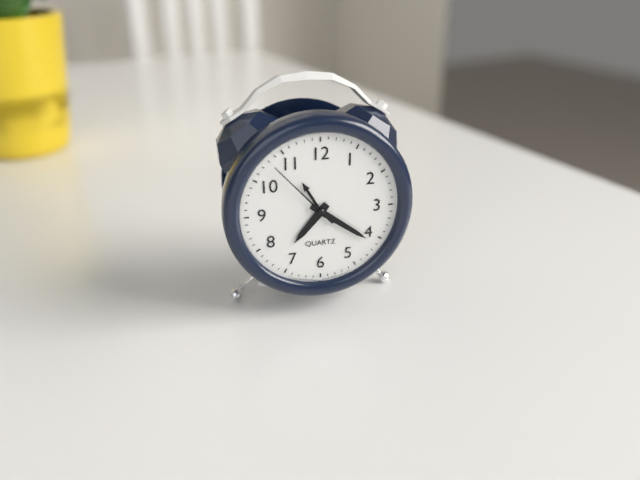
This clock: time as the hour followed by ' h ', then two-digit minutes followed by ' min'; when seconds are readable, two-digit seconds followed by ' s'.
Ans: 7 h 21 min 53 s
